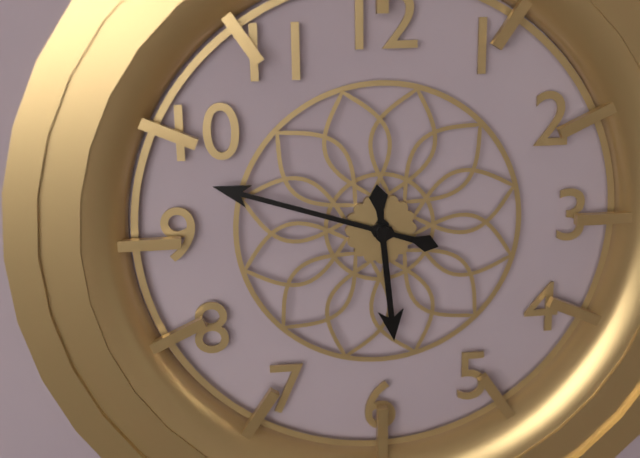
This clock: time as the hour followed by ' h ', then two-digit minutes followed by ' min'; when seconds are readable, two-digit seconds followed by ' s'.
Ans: 5 h 48 min
